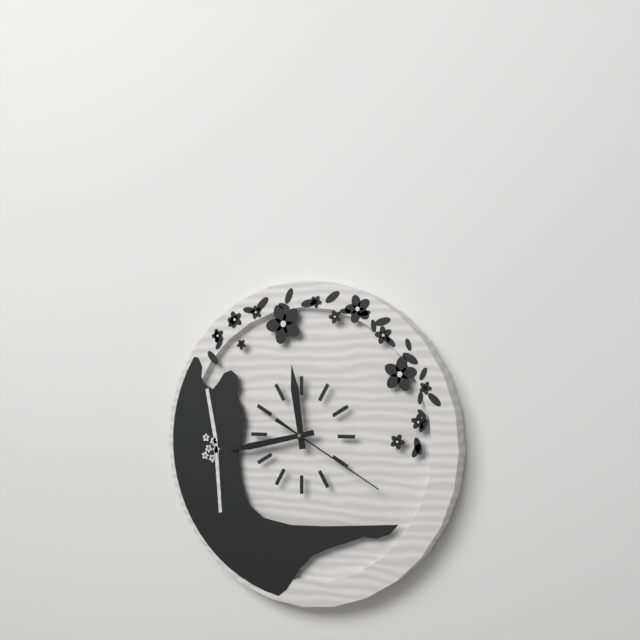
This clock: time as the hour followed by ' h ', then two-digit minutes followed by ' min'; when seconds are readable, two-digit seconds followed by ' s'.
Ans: 11 h 43 min 20 s
